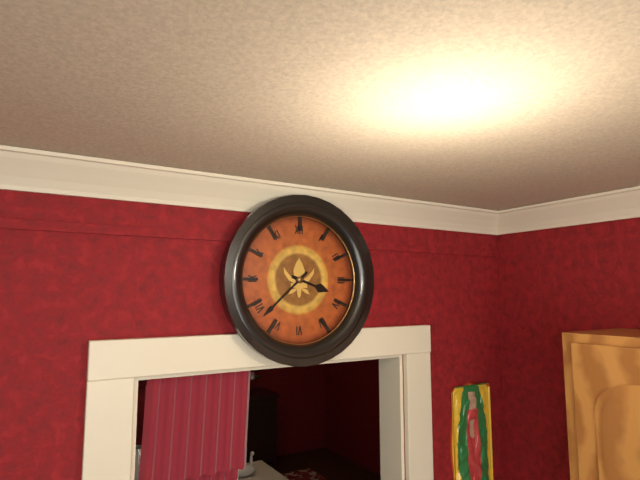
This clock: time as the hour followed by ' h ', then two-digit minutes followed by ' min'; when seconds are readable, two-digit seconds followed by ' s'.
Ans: 3 h 38 min
